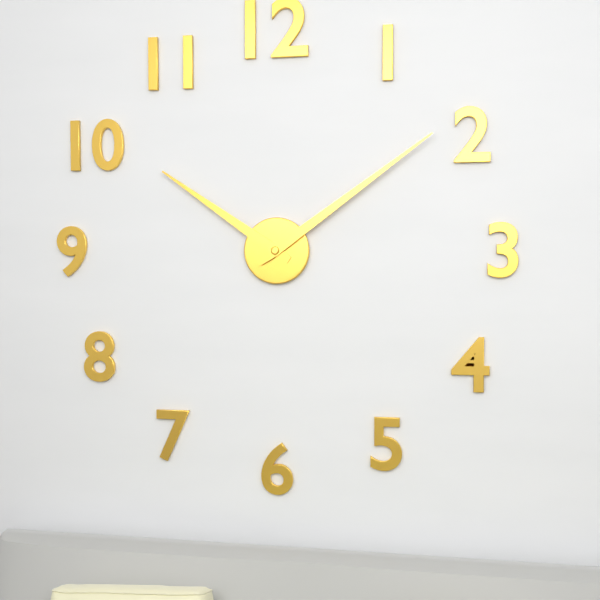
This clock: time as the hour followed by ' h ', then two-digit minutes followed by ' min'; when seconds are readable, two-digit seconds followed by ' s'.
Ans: 10 h 09 min
